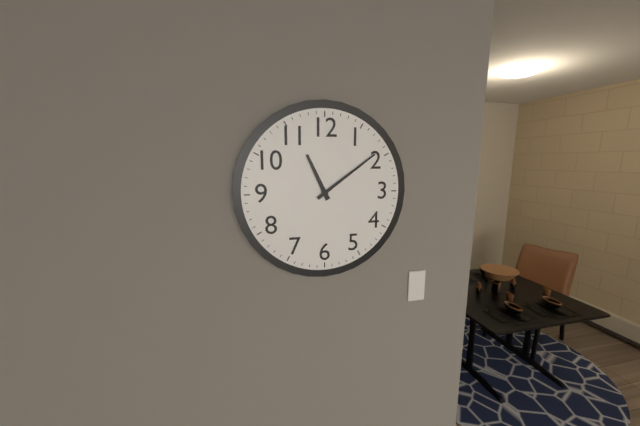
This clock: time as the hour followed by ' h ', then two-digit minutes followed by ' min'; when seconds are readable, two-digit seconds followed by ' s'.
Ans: 11 h 09 min
